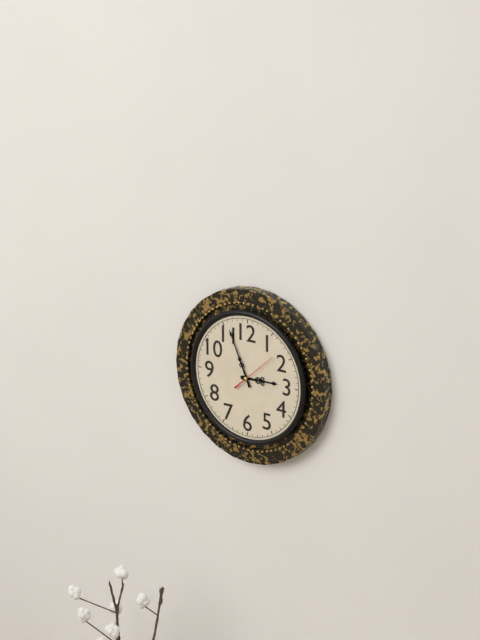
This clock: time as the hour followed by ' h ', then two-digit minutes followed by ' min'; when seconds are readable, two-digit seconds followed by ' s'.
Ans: 2 h 56 min
